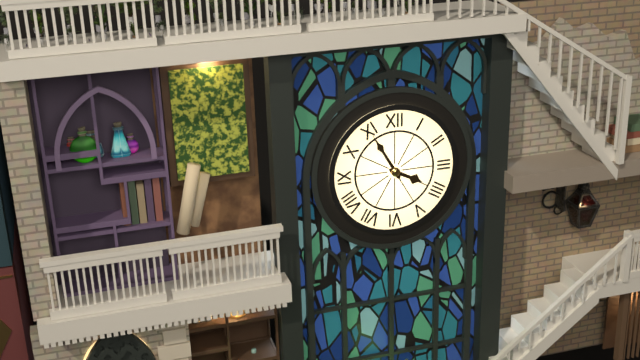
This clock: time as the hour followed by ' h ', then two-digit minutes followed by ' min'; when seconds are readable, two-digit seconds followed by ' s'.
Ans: 3 h 55 min
